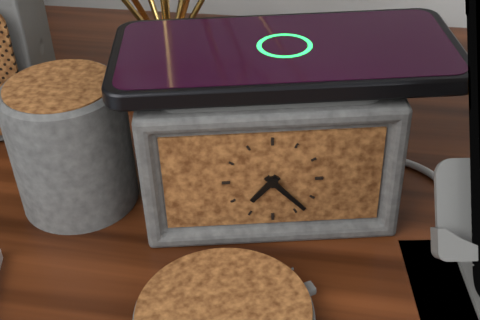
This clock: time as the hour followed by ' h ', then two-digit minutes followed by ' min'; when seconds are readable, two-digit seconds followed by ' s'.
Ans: 7 h 23 min
